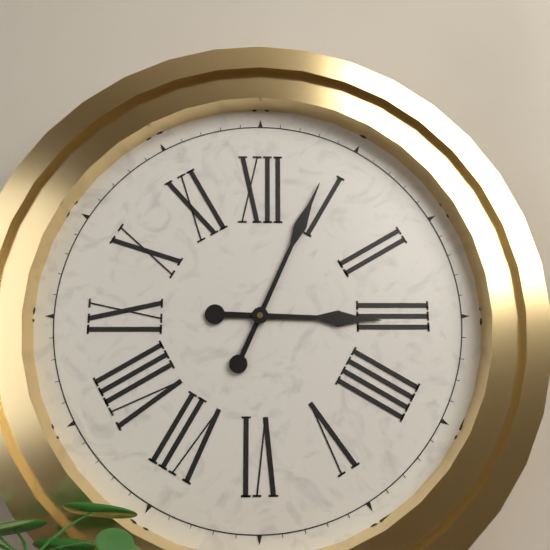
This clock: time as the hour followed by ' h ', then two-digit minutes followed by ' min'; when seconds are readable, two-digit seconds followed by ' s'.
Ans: 3 h 04 min
